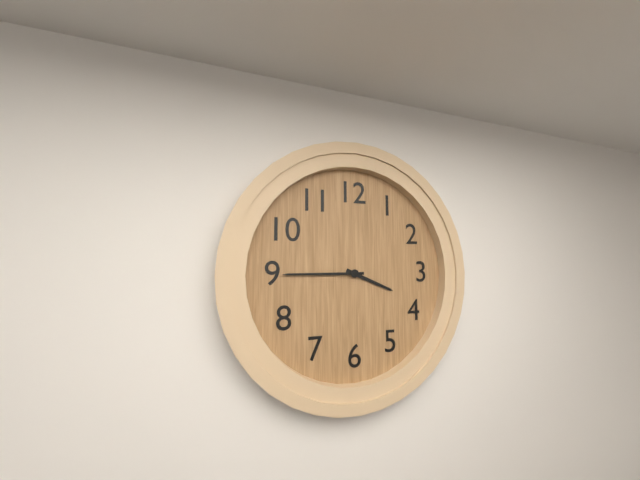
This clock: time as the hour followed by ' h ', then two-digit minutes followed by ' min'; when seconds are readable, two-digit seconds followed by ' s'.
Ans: 3 h 45 min
